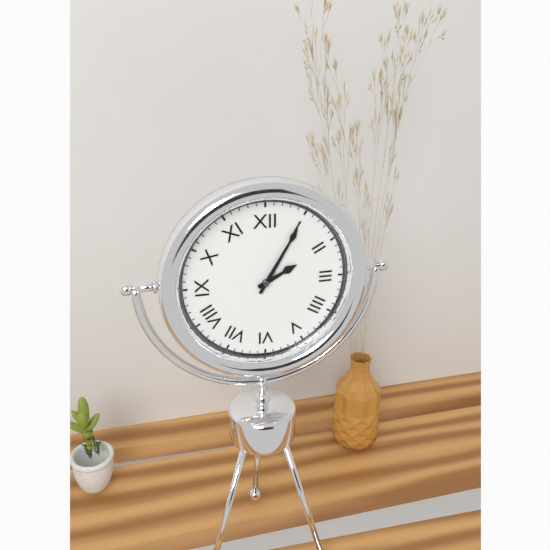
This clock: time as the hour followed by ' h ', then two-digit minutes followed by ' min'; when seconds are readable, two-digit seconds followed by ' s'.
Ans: 2 h 05 min
